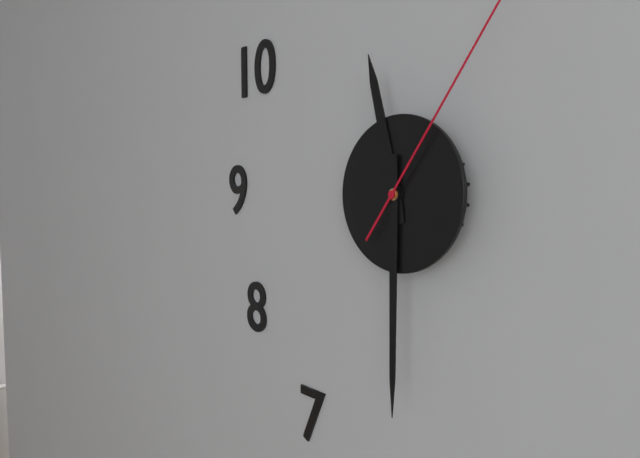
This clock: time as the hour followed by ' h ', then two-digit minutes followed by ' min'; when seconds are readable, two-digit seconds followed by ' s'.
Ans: 11 h 30 min
